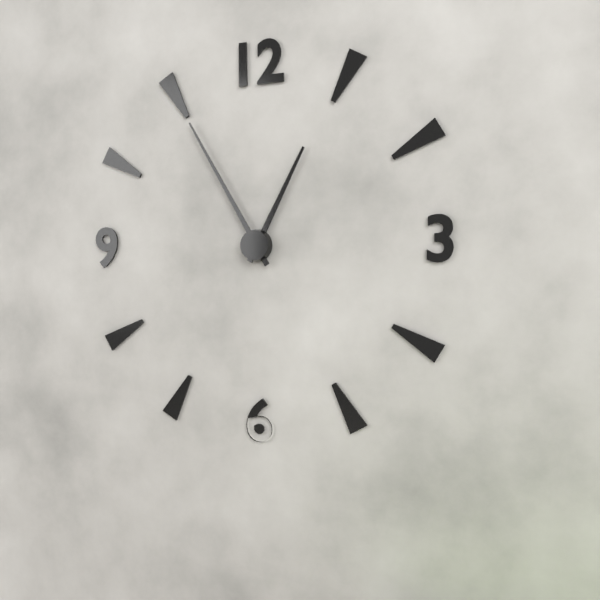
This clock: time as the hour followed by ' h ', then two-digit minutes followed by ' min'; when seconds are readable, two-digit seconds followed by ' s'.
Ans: 12 h 55 min
